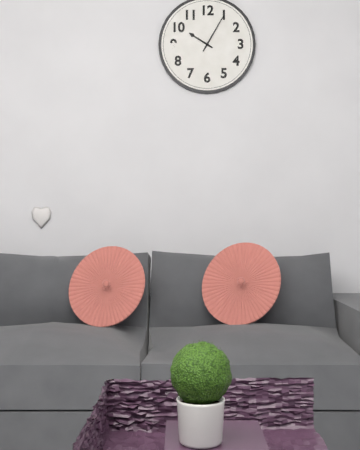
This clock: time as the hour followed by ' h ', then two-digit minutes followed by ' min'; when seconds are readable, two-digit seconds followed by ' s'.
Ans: 10 h 05 min
